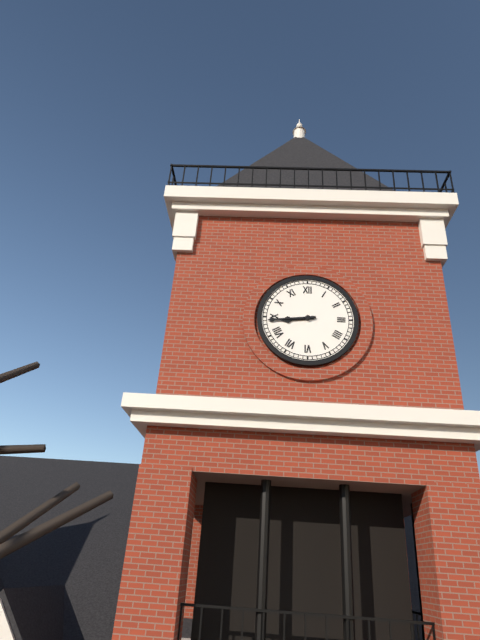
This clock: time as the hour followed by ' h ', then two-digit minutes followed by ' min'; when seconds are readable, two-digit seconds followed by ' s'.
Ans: 8 h 44 min
